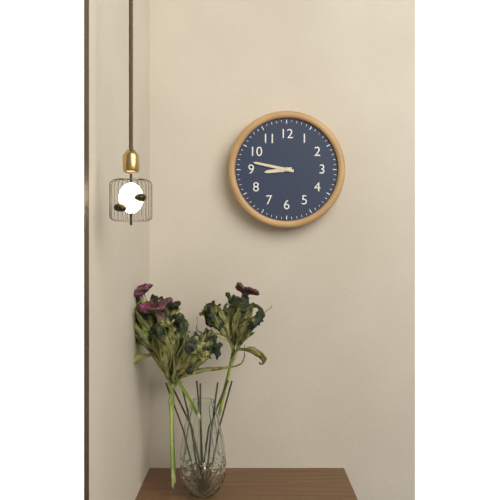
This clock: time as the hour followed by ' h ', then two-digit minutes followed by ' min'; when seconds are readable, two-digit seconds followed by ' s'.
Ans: 8 h 47 min
